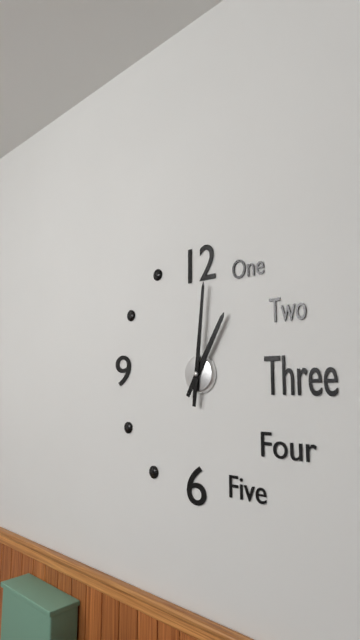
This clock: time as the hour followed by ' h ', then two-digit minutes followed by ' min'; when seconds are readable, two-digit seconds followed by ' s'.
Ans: 1 h 01 min
